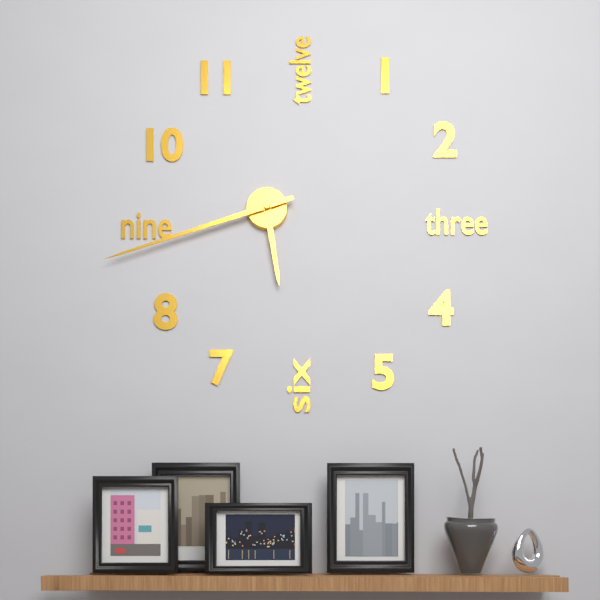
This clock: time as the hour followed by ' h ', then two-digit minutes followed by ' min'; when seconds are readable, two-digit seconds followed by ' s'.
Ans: 5 h 42 min
